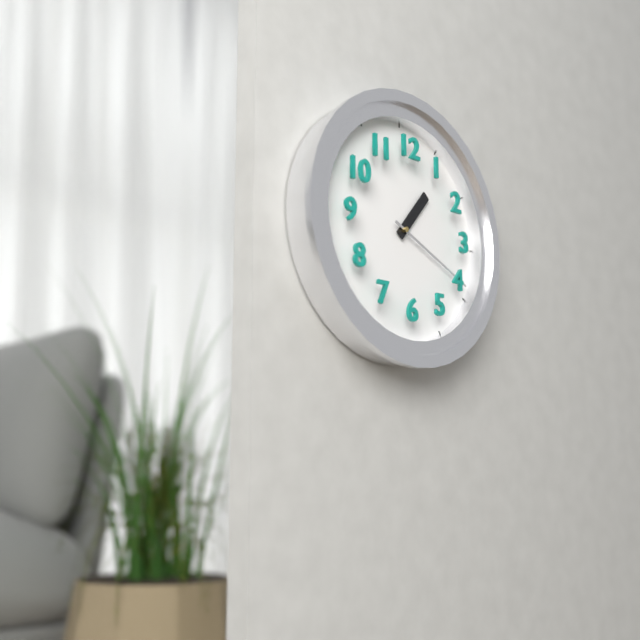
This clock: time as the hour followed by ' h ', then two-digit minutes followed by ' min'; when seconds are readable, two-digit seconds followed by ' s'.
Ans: 1 h 19 min
